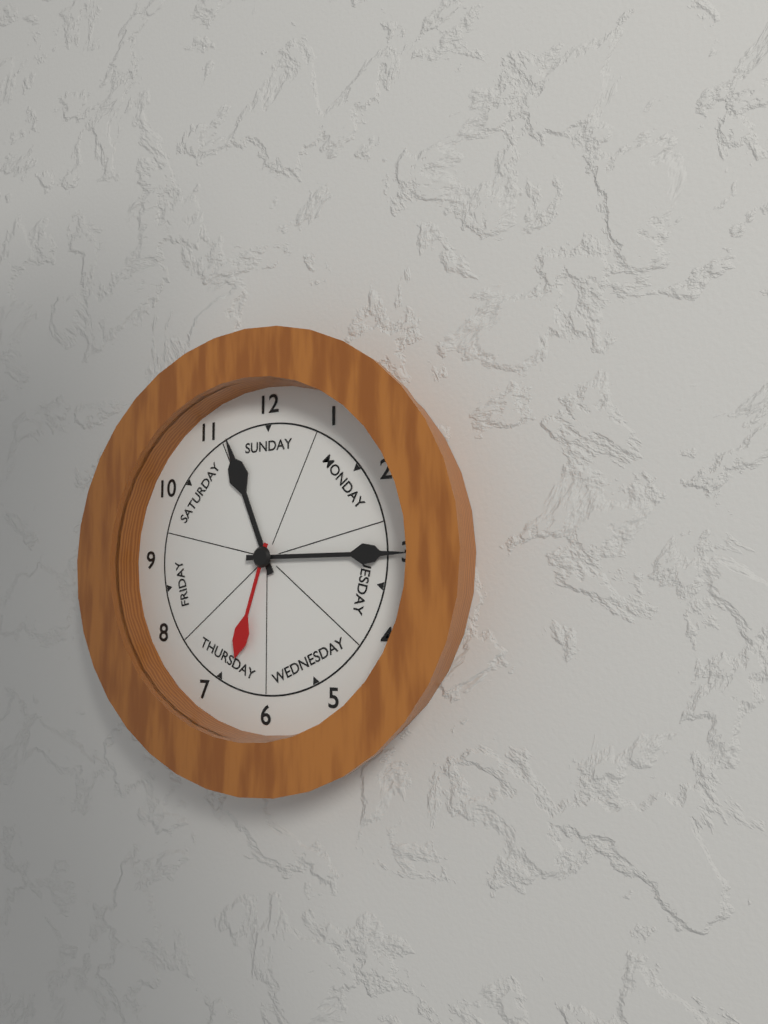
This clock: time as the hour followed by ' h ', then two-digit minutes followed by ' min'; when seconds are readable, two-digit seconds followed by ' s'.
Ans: 11 h 15 min 33 s
